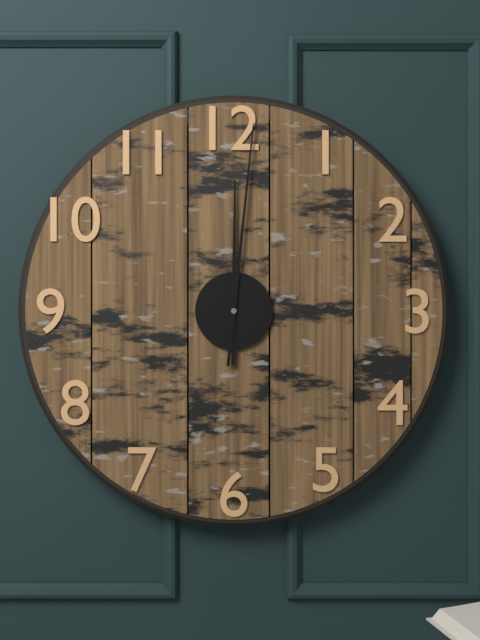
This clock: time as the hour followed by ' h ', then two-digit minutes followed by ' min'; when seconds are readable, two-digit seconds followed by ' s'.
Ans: 12 h 01 min
